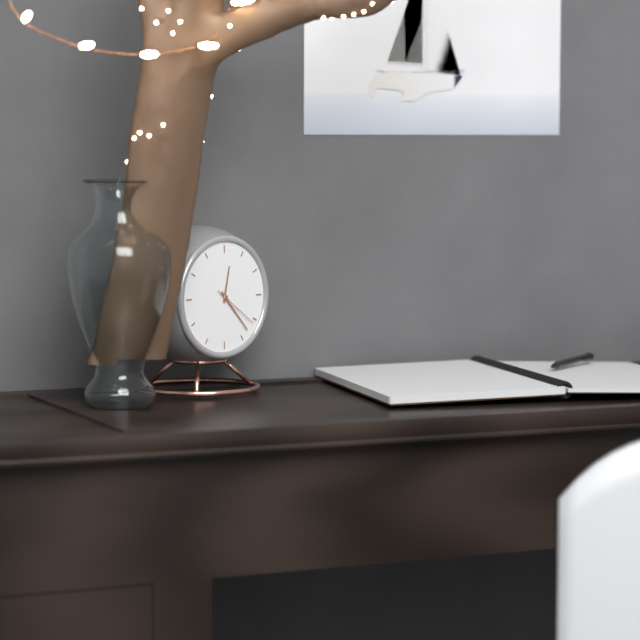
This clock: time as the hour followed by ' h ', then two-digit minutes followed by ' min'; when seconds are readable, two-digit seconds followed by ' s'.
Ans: 12 h 23 min
